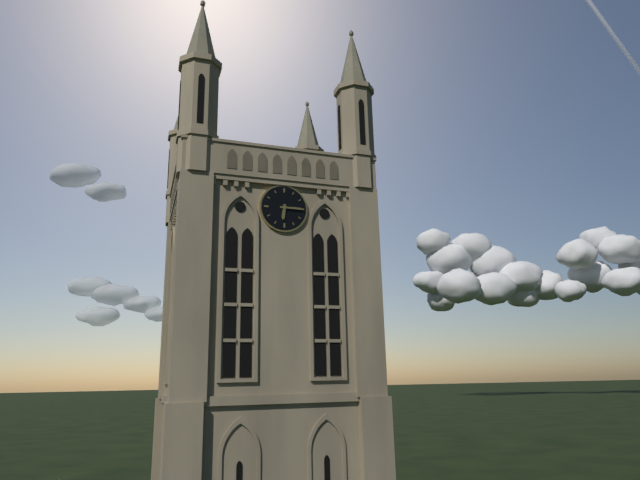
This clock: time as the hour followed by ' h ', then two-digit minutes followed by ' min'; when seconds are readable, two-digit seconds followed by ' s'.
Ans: 6 h 15 min
